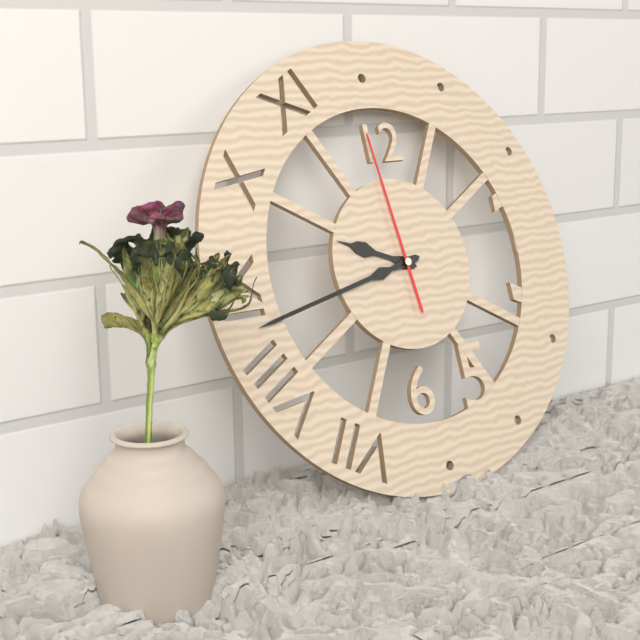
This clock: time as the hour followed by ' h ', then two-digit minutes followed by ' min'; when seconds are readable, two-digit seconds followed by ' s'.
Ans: 9 h 43 min 59 s
